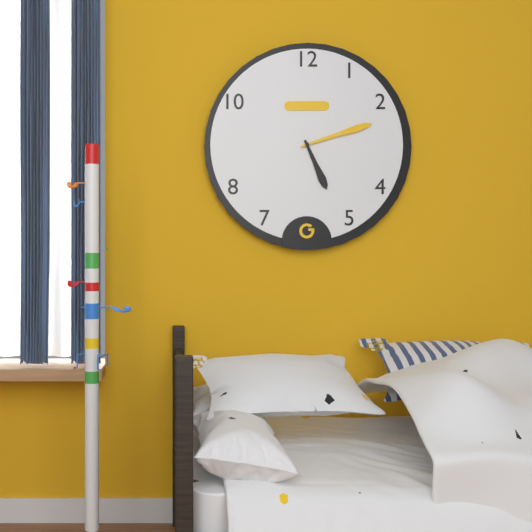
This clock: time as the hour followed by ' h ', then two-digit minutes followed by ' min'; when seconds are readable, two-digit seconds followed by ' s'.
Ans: 5 h 12 min
